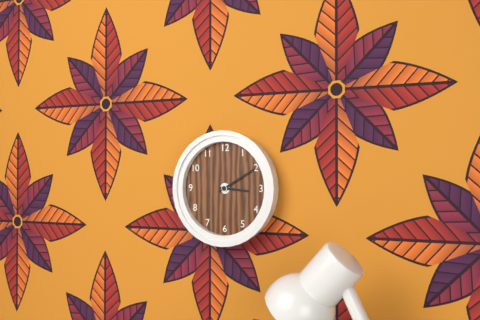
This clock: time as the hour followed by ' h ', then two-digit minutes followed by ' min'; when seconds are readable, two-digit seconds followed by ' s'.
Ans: 3 h 10 min
